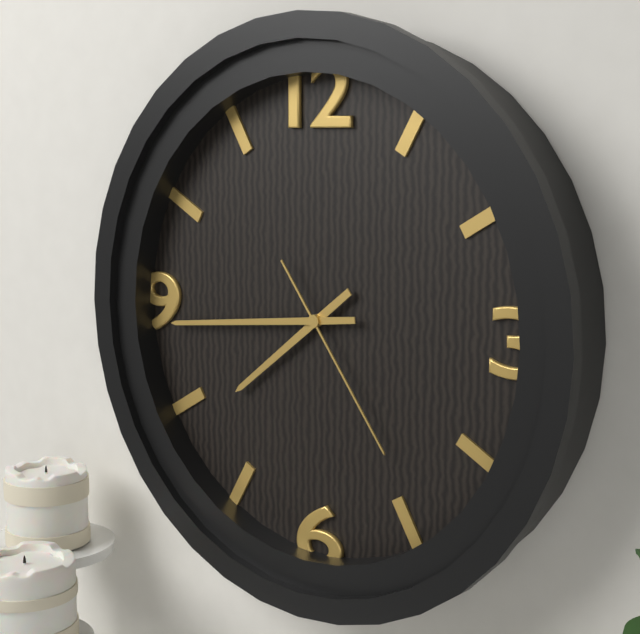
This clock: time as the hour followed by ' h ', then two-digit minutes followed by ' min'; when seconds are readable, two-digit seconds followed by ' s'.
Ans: 7 h 44 min 24 s
